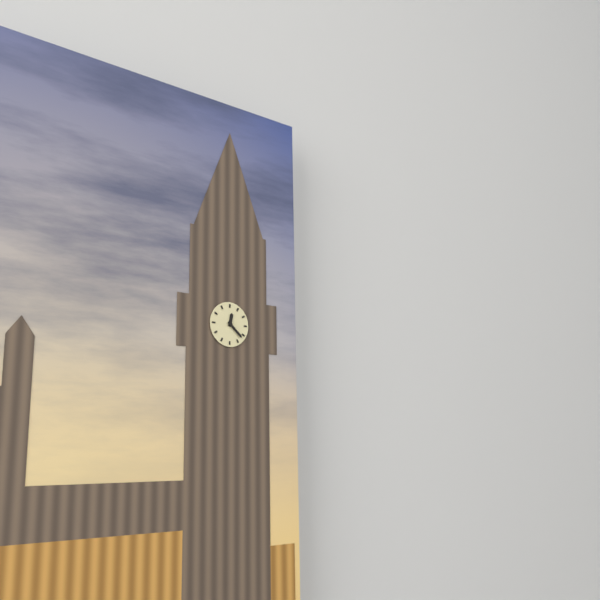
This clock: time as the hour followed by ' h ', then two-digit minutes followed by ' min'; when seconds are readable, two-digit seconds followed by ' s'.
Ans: 12 h 22 min
